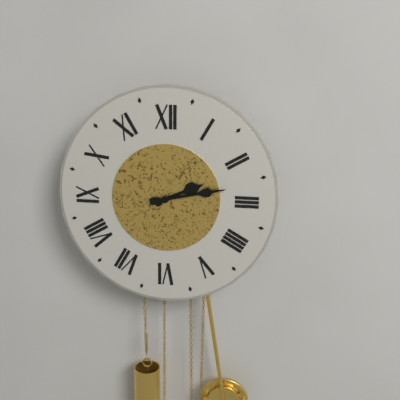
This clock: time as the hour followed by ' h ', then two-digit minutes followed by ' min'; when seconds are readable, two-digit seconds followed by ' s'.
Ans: 2 h 13 min
